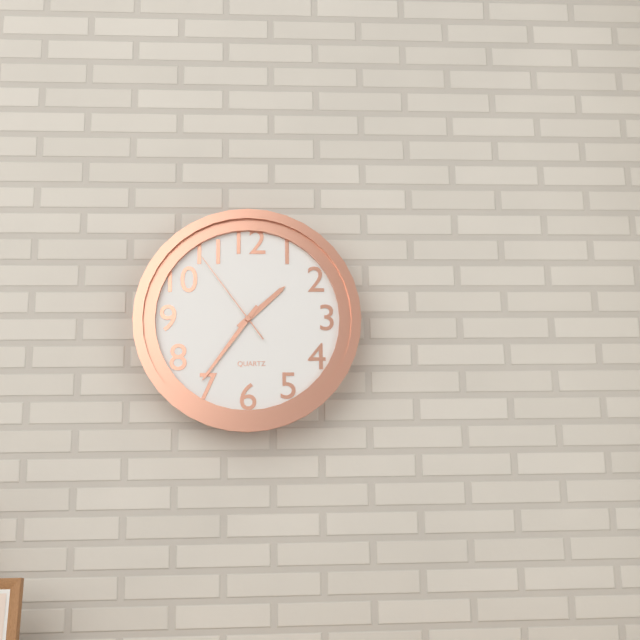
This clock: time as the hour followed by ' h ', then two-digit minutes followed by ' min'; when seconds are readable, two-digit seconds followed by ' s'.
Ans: 1 h 36 min 54 s
